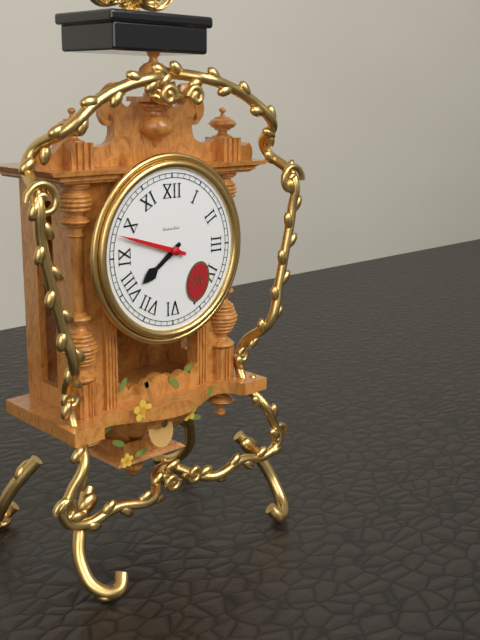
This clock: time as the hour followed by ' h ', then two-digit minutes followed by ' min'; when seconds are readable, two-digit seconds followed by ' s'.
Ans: 7 h 48 min
